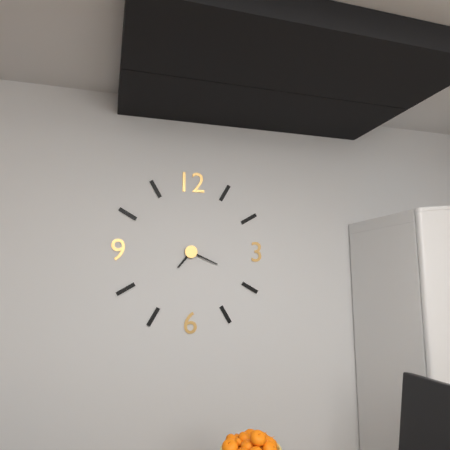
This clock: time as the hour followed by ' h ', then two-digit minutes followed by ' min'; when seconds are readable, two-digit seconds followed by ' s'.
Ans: 7 h 19 min
